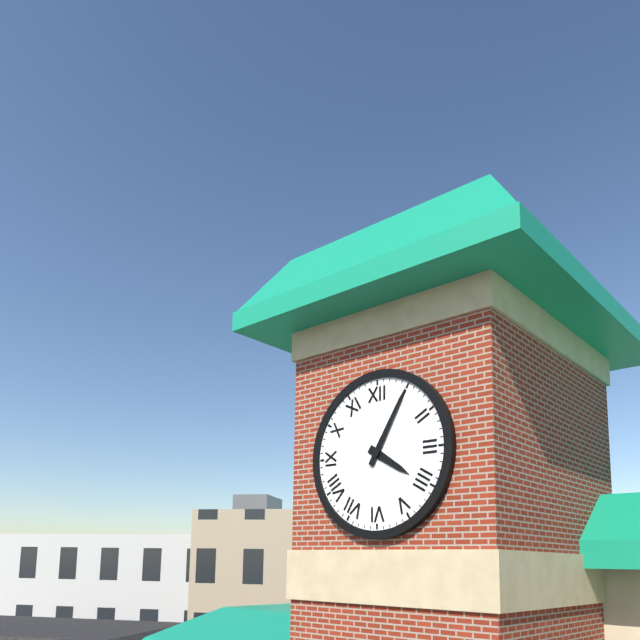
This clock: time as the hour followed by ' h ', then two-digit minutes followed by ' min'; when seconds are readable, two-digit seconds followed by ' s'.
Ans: 4 h 05 min
